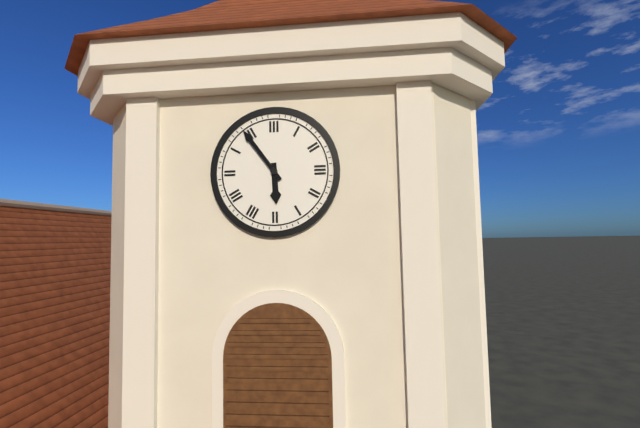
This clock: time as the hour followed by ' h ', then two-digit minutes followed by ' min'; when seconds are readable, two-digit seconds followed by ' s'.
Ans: 5 h 54 min
